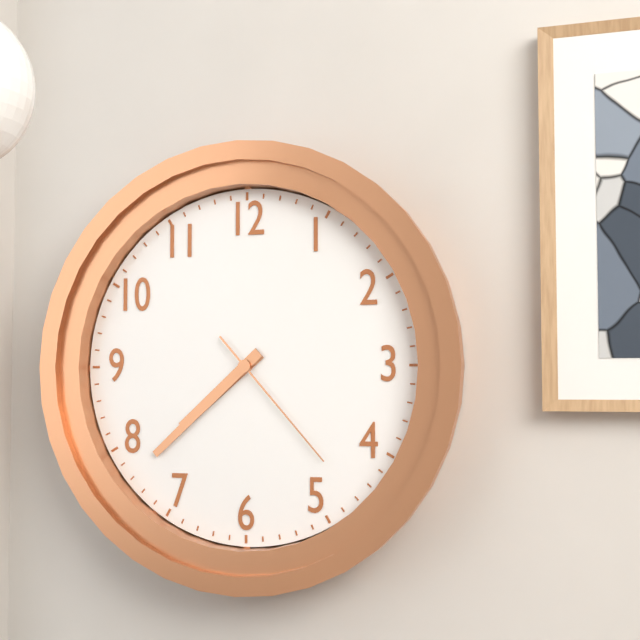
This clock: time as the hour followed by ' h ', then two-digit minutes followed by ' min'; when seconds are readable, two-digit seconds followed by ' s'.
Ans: 7 h 38 min 23 s
